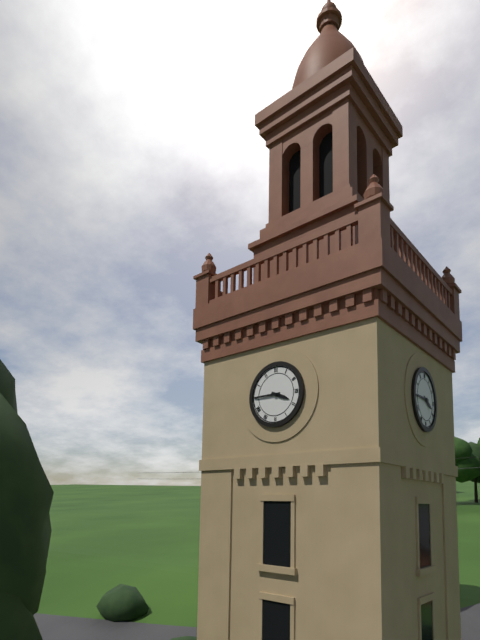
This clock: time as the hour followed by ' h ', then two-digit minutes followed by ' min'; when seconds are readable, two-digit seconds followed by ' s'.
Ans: 3 h 45 min
